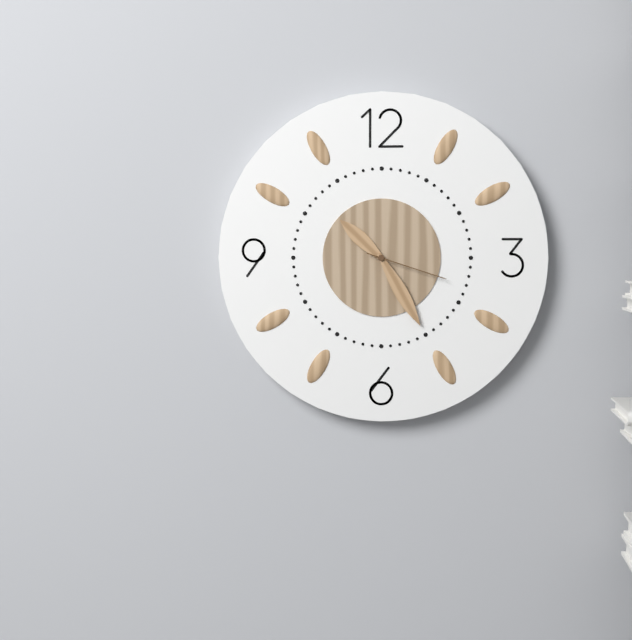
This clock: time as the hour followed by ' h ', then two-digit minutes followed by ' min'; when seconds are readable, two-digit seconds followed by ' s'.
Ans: 10 h 25 min 18 s
